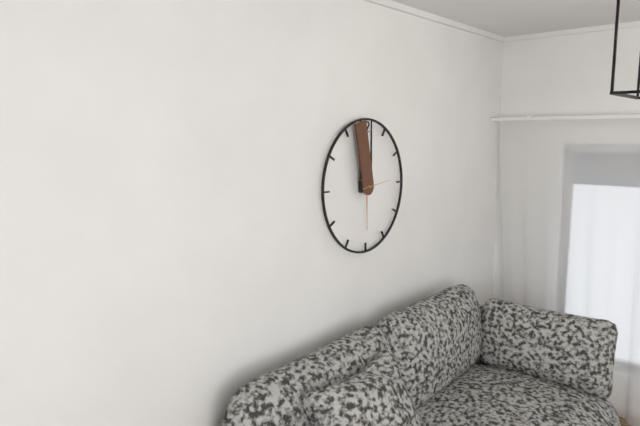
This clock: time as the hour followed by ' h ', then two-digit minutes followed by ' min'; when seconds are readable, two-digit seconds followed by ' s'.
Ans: 5 h 58 min
